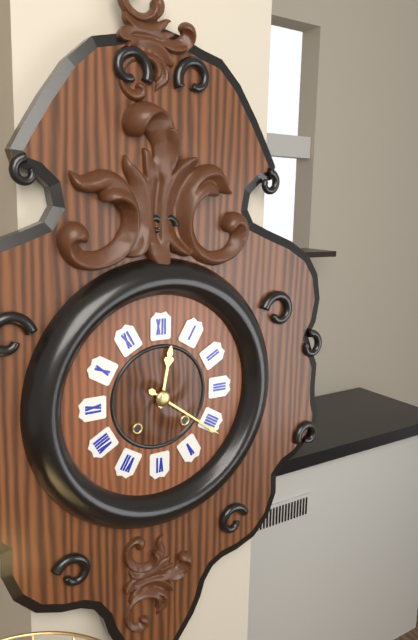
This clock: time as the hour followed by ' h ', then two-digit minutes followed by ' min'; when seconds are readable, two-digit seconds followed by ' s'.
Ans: 12 h 21 min
